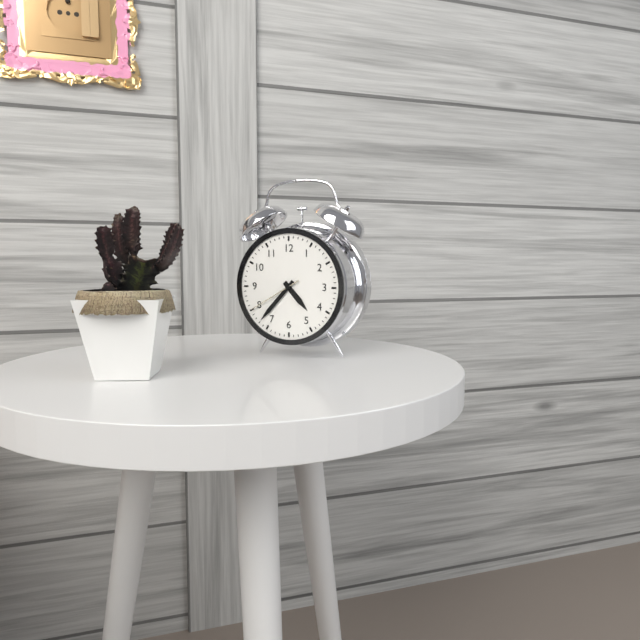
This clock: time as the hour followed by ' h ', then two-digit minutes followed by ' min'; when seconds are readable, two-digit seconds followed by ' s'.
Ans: 4 h 37 min 40 s
